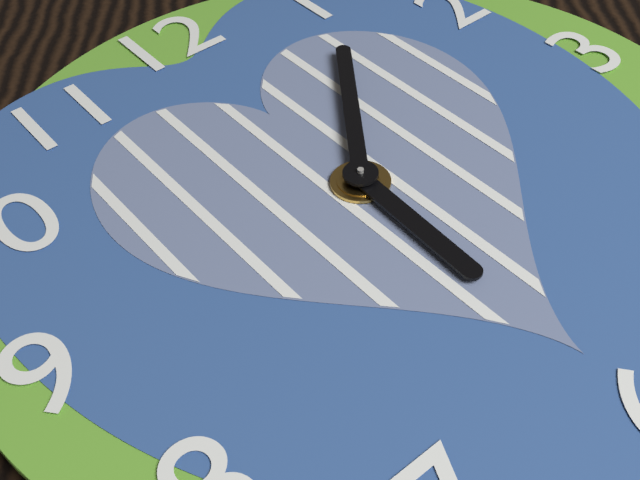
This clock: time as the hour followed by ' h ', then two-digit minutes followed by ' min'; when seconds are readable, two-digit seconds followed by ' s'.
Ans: 6 h 06 min
